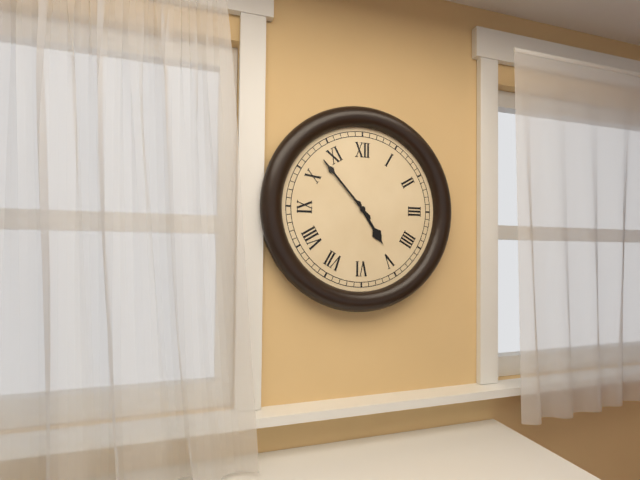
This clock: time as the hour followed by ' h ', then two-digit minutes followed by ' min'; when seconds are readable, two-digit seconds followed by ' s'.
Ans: 4 h 53 min
